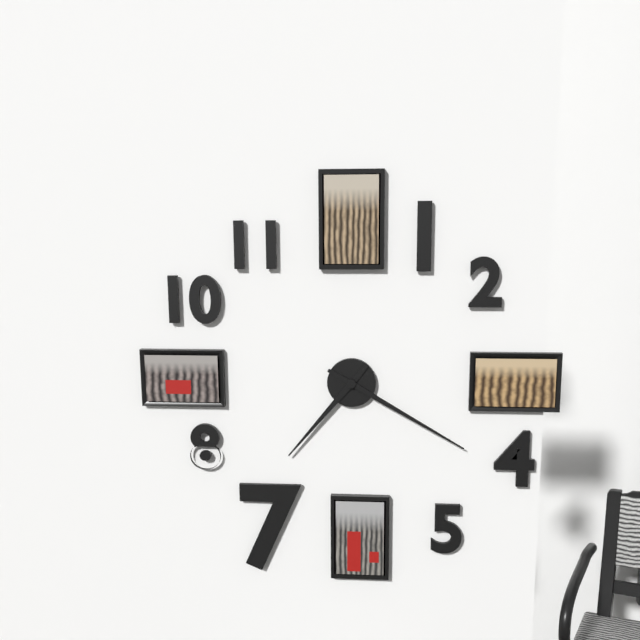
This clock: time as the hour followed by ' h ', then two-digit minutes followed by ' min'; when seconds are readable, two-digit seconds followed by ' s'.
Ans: 7 h 20 min
